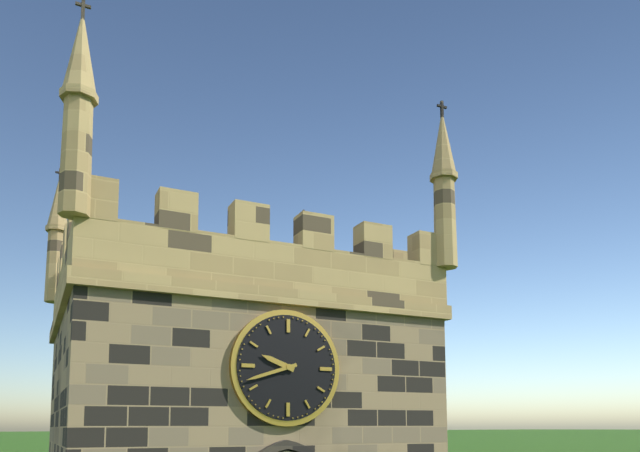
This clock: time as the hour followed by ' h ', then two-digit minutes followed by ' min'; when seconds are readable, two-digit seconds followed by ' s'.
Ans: 9 h 42 min
